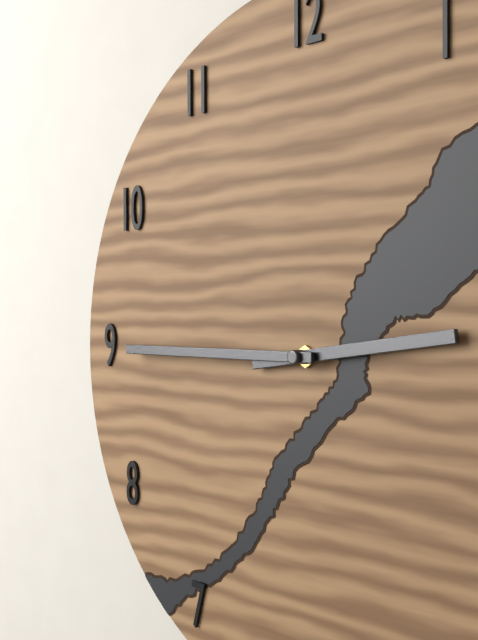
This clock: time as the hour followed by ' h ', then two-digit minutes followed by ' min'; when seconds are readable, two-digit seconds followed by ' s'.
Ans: 2 h 45 min
